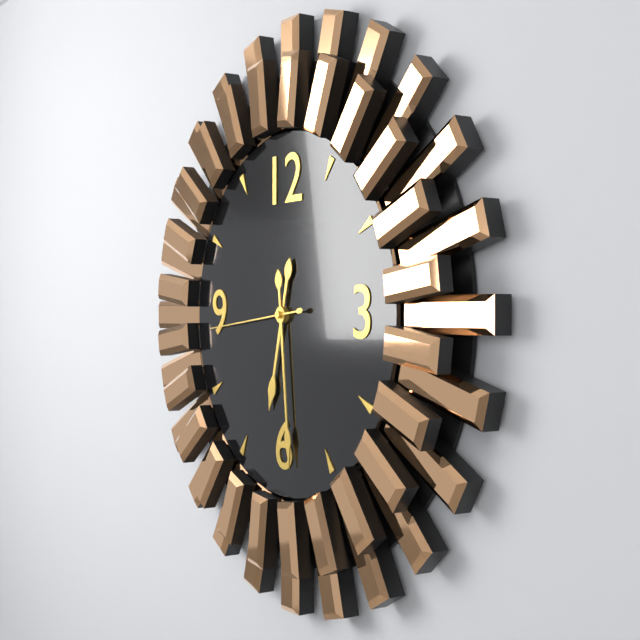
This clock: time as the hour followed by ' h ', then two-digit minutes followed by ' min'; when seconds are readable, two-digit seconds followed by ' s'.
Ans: 6 h 29 min 44 s
